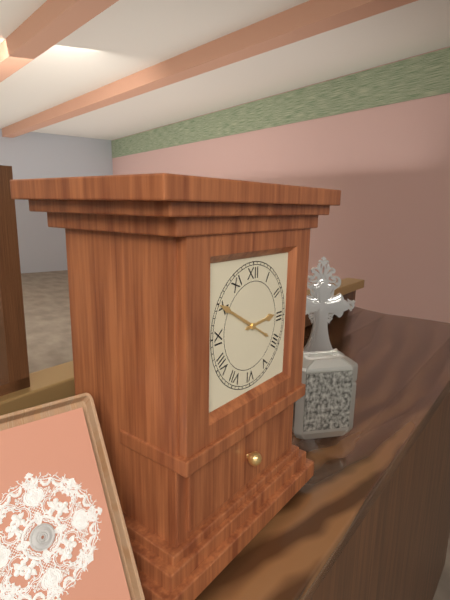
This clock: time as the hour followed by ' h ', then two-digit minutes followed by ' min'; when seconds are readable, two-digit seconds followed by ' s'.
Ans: 2 h 50 min
